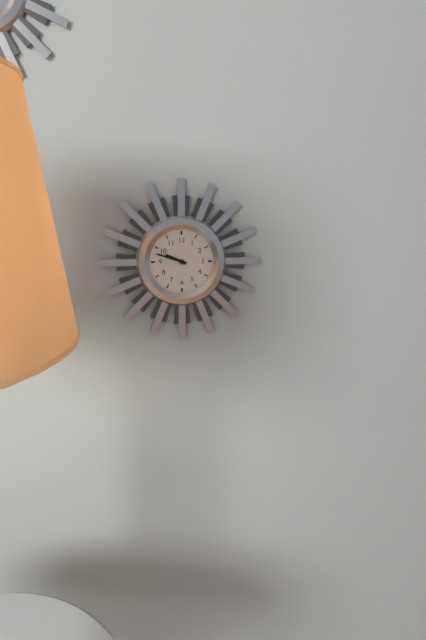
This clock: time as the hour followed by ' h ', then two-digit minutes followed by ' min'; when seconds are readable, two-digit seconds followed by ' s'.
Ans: 9 h 48 min
